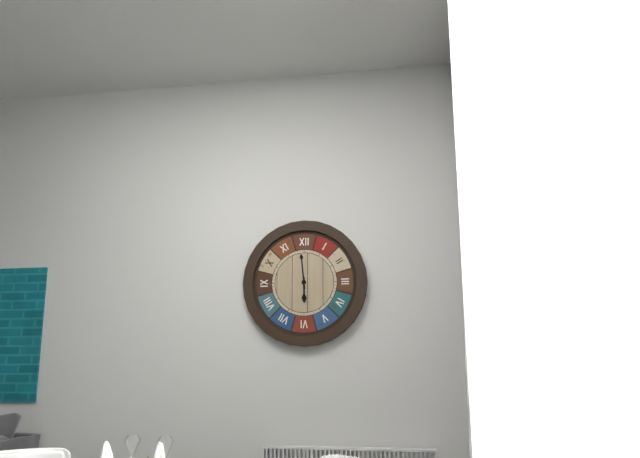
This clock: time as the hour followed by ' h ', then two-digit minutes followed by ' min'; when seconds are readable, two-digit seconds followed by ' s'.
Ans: 5 h 59 min
